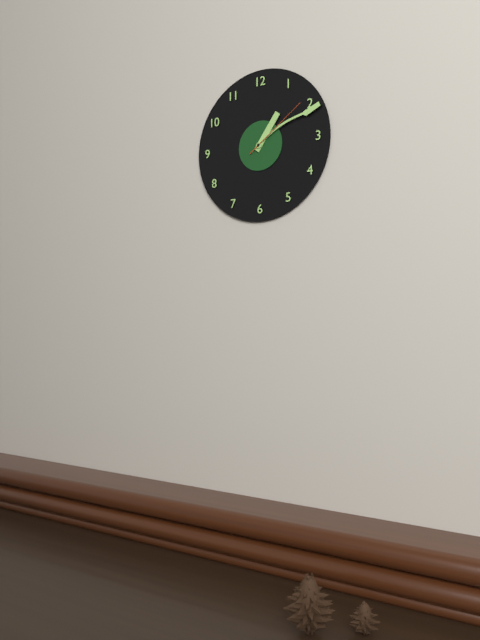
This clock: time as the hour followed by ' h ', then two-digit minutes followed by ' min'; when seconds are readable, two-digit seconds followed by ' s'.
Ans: 1 h 11 min 09 s
